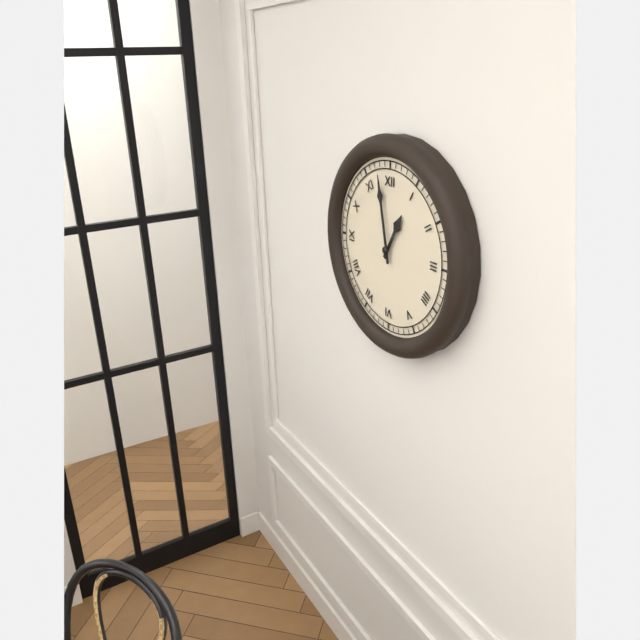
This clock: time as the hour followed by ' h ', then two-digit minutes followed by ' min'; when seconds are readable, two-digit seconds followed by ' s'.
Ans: 12 h 58 min
